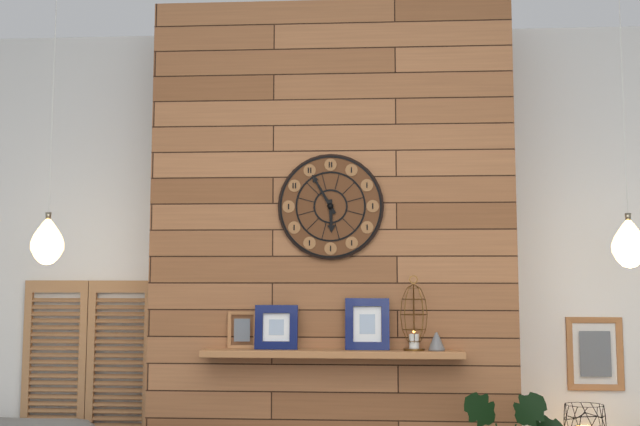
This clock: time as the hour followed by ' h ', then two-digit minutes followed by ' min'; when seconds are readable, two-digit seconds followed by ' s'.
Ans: 5 h 55 min
